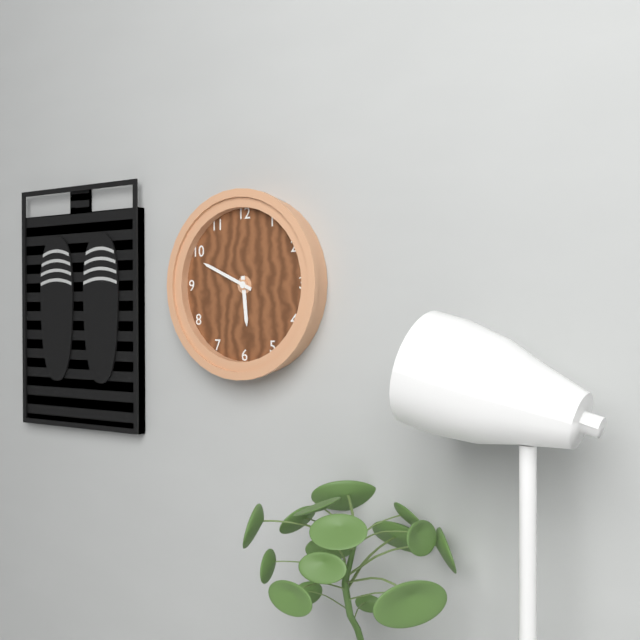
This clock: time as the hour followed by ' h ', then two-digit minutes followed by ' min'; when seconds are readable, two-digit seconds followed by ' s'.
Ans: 5 h 49 min
